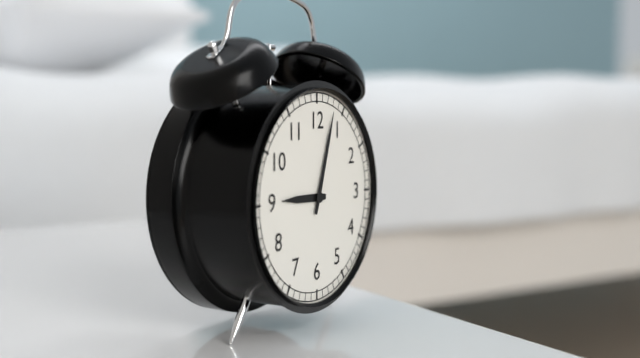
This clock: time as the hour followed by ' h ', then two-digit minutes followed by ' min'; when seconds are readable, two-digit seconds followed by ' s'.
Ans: 9 h 03 min
